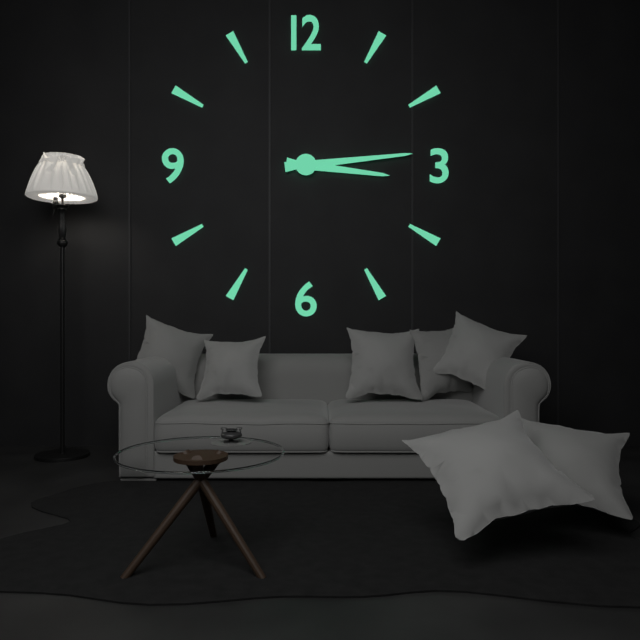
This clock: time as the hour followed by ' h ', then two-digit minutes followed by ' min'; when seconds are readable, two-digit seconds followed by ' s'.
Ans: 3 h 14 min
